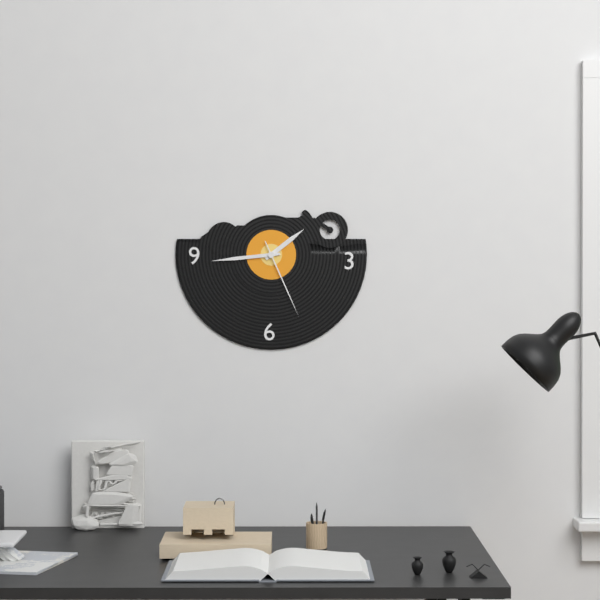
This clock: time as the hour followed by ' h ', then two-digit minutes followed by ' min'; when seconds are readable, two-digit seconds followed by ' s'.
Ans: 1 h 44 min 26 s
